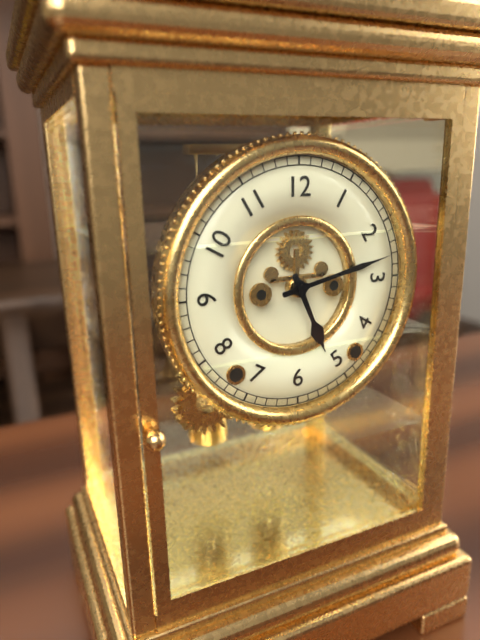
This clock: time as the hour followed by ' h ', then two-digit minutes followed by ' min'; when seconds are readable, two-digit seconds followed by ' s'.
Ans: 5 h 13 min
